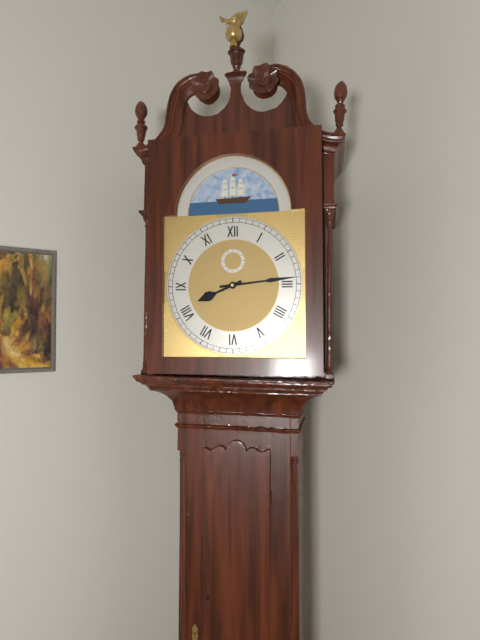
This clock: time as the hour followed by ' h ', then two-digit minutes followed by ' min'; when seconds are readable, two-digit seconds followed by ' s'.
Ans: 8 h 14 min
